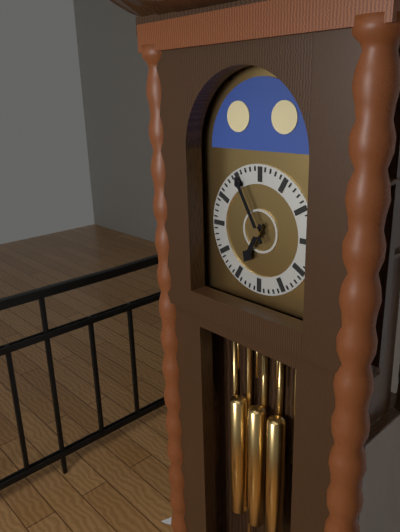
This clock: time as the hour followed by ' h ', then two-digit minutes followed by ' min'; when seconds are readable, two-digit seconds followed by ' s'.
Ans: 6 h 55 min
